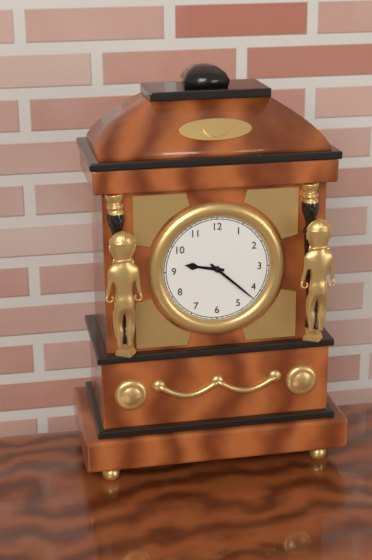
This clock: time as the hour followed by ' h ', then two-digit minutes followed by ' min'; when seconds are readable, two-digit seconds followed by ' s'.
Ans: 9 h 22 min
